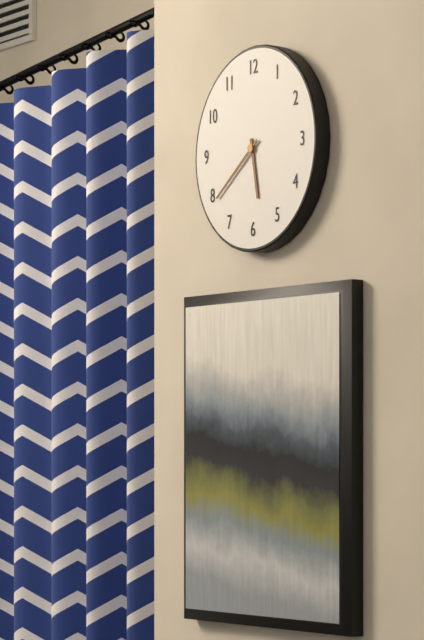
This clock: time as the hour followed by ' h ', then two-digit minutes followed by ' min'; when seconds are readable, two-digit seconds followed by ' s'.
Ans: 5 h 39 min
